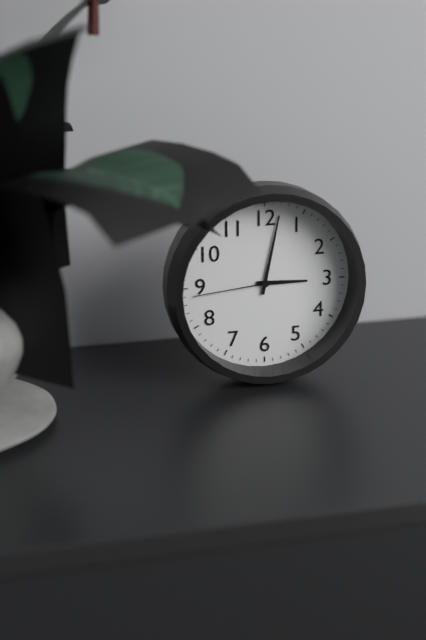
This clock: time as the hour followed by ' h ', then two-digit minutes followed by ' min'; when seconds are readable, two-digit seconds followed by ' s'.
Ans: 3 h 02 min 44 s
